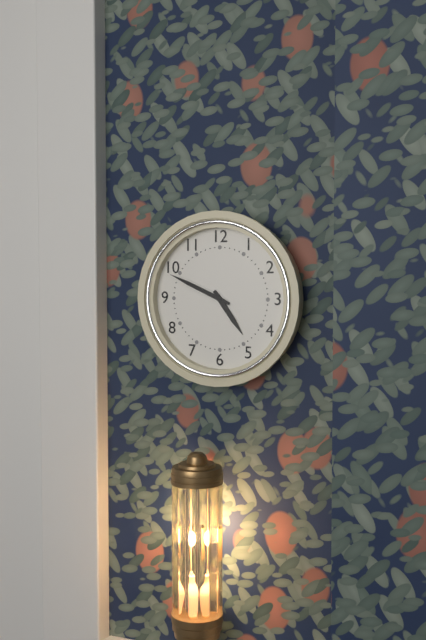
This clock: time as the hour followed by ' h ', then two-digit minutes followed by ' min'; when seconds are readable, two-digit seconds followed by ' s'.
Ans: 4 h 49 min
